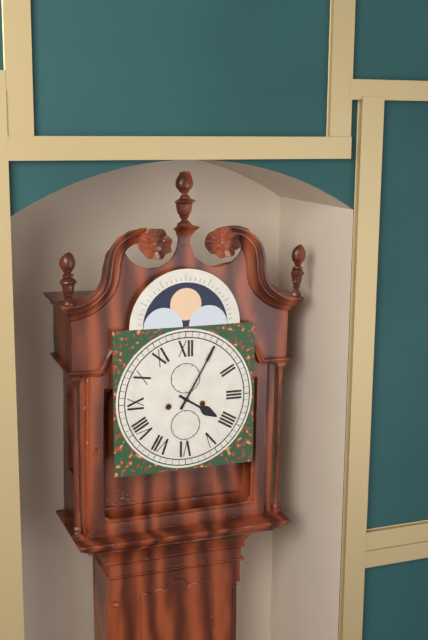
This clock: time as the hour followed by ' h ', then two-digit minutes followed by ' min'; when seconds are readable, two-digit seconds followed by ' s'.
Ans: 4 h 05 min
